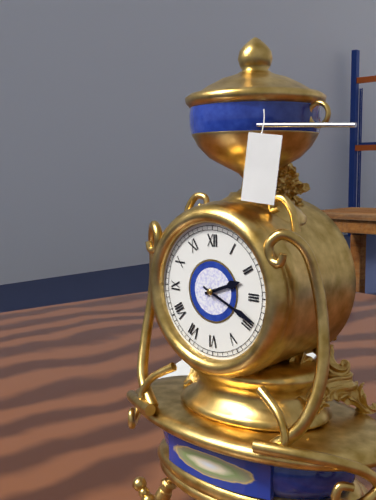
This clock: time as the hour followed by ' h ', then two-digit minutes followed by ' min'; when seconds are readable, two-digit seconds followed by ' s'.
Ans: 2 h 19 min
